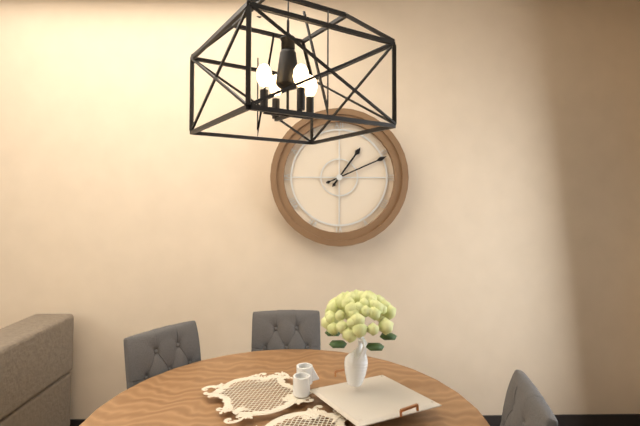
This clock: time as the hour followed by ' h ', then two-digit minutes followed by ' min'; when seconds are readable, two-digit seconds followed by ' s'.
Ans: 1 h 11 min
